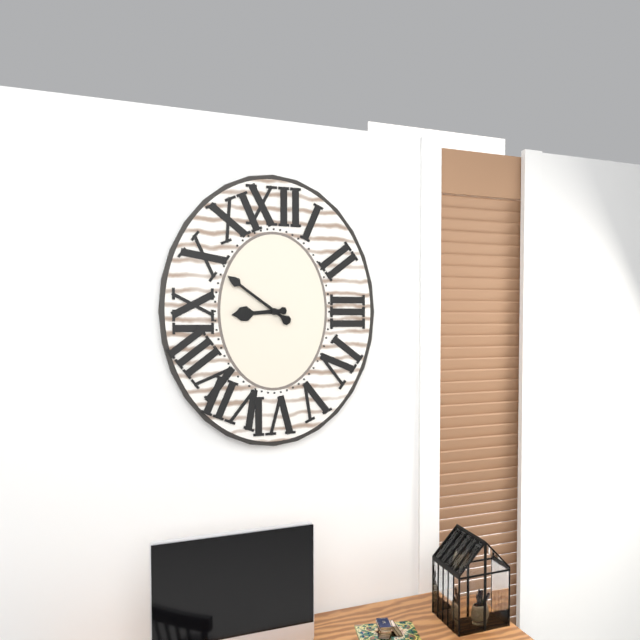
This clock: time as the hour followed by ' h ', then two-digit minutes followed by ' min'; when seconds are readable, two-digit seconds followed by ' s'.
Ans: 8 h 51 min
